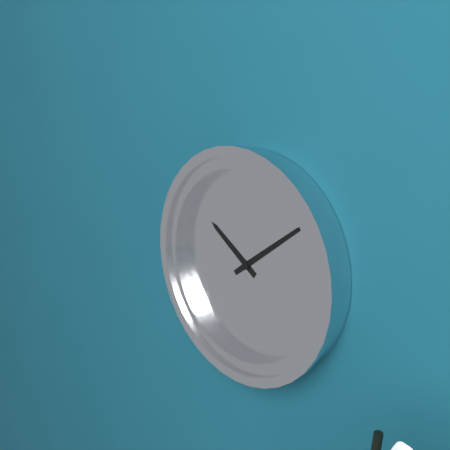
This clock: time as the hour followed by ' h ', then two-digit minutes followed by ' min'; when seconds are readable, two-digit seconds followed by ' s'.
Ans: 10 h 09 min
